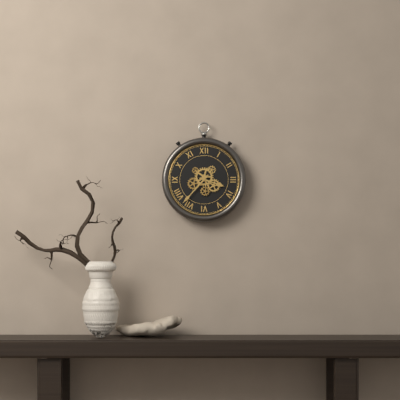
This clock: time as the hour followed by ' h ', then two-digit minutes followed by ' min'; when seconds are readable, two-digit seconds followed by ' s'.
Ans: 3 h 37 min
